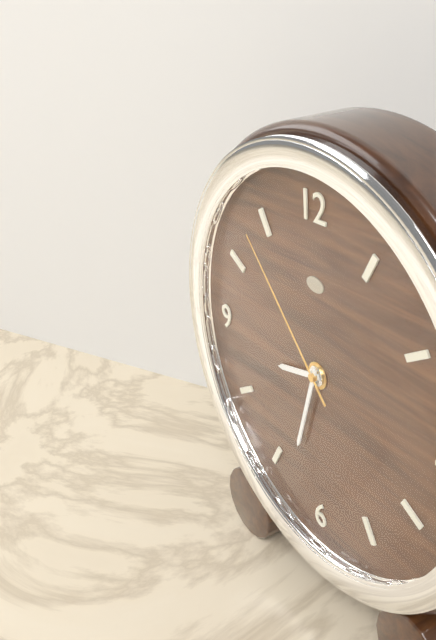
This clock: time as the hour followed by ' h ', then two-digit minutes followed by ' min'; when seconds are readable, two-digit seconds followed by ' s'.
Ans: 8 h 33 min 53 s
